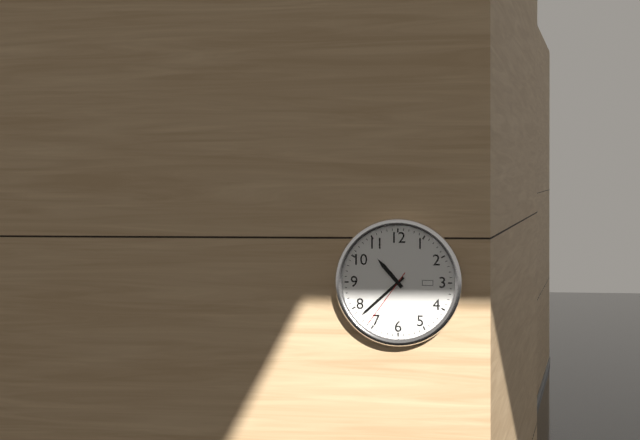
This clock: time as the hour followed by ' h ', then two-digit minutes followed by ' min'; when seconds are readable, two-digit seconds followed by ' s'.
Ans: 10 h 38 min 36 s
